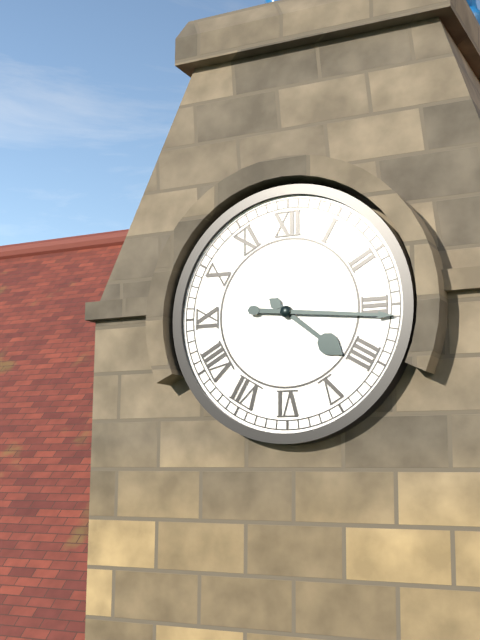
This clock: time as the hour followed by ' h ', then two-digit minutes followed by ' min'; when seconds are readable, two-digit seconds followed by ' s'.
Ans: 4 h 16 min
